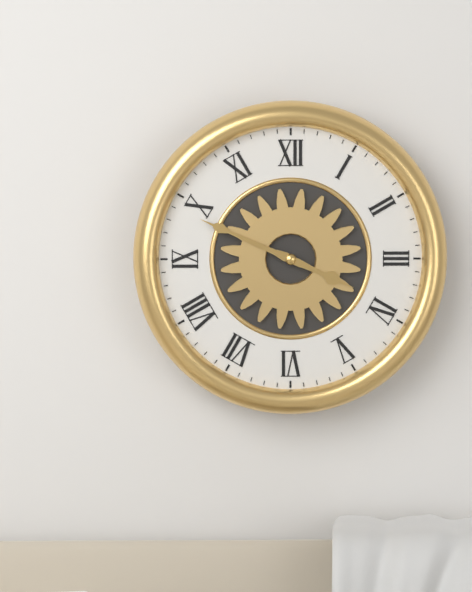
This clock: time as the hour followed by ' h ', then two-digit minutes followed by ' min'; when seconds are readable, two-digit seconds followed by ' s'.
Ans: 3 h 49 min
